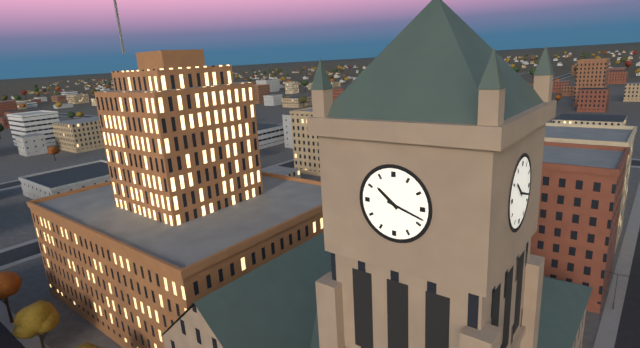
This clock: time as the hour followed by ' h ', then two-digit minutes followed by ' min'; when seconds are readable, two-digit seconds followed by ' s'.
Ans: 10 h 18 min
